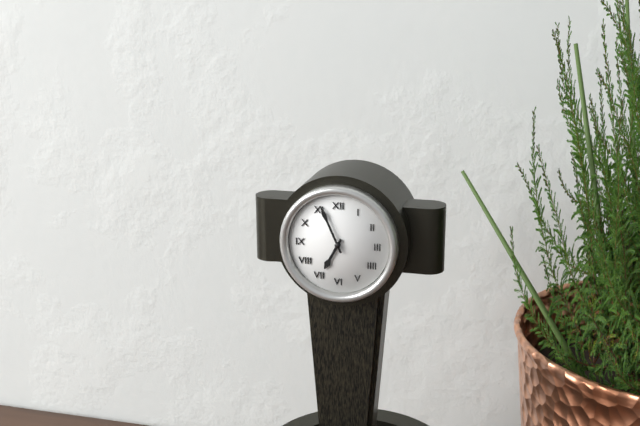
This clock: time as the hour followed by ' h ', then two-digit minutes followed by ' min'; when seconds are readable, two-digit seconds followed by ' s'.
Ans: 6 h 56 min
